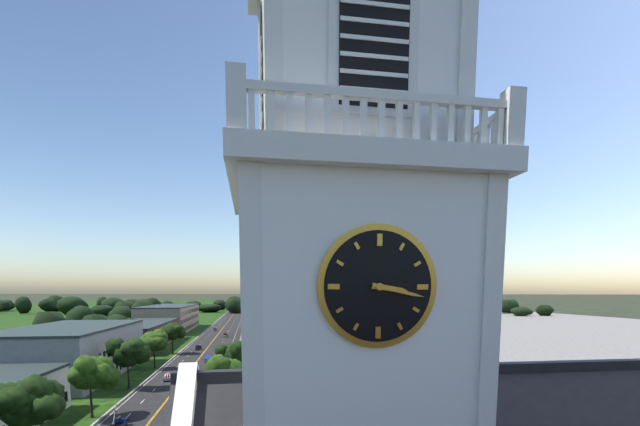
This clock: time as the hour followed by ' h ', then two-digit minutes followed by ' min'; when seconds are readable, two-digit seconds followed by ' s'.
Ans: 3 h 17 min
